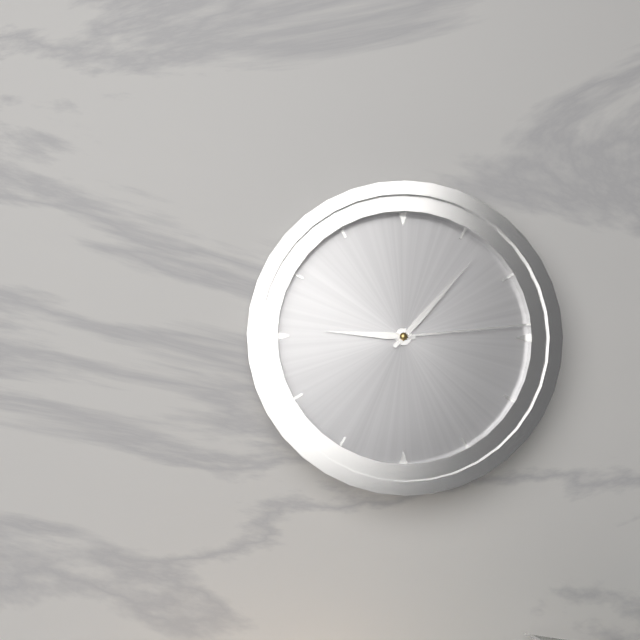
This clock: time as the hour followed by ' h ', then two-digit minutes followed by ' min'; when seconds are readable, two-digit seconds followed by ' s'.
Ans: 9 h 07 min 14 s
